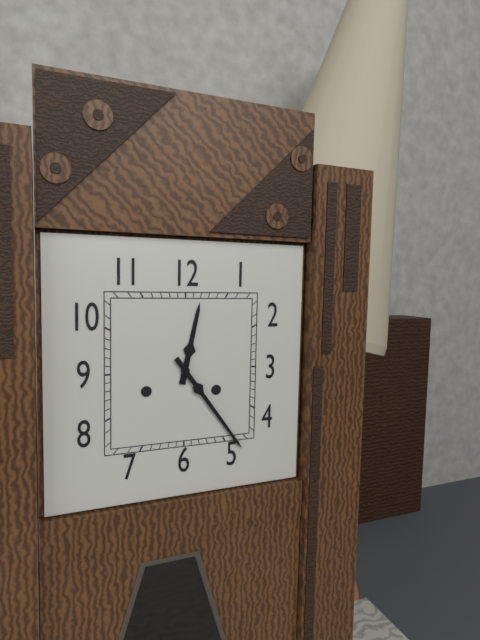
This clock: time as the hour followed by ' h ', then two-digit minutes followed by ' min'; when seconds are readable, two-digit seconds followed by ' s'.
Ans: 12 h 24 min
